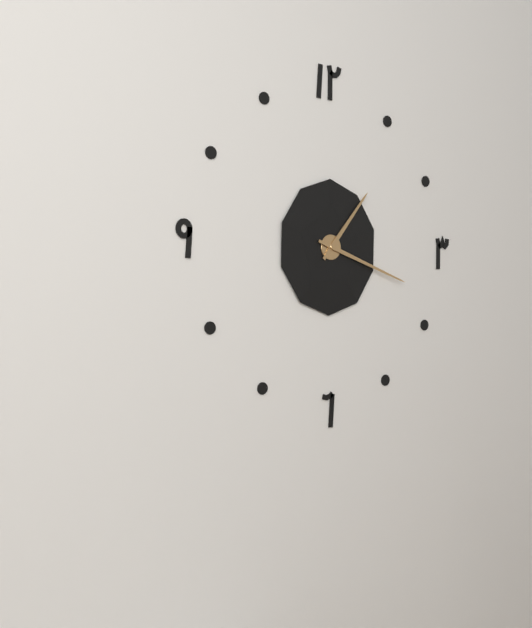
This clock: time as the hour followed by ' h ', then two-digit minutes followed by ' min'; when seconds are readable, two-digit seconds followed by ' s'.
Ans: 1 h 18 min
